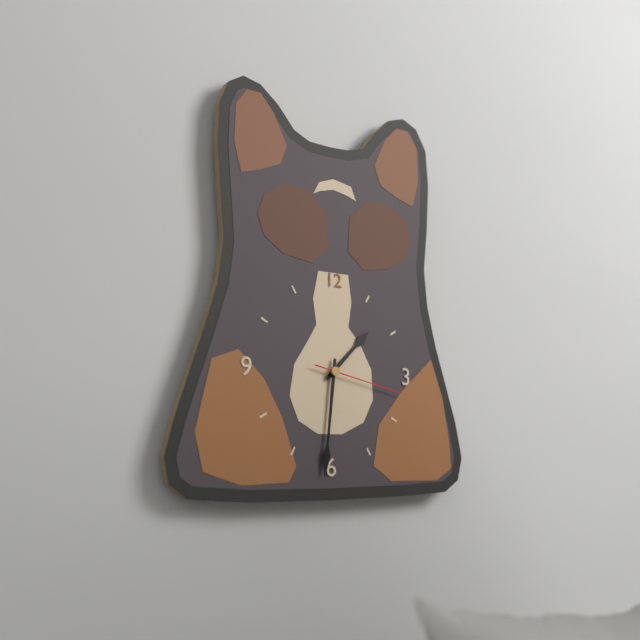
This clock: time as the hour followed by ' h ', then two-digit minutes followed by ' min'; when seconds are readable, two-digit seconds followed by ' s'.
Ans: 1 h 31 min 17 s
